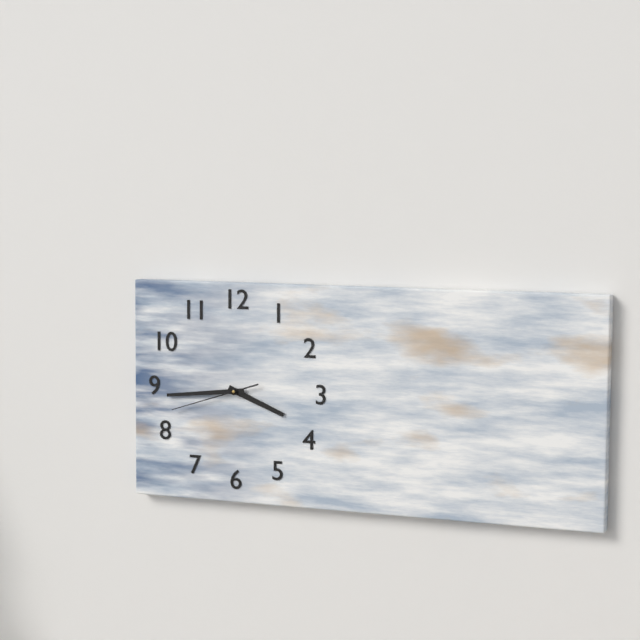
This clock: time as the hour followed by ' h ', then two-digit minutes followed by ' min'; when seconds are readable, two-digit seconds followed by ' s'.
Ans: 3 h 44 min 42 s
